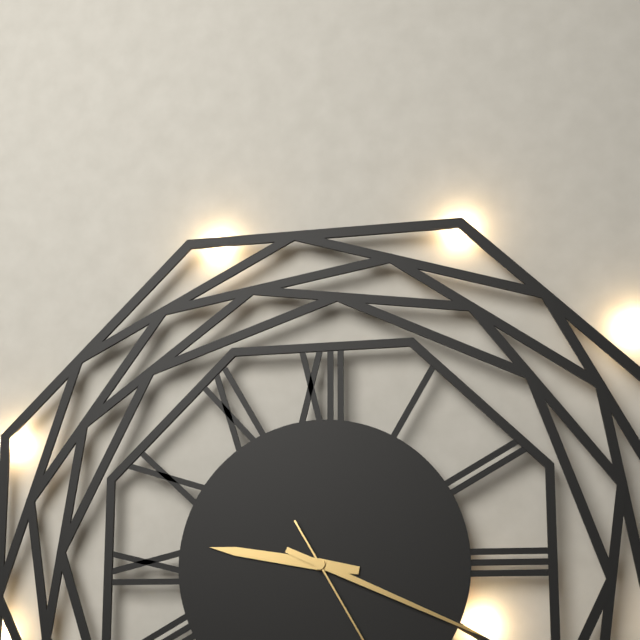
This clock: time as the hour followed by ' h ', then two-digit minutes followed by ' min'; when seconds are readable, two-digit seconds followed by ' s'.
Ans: 9 h 19 min
